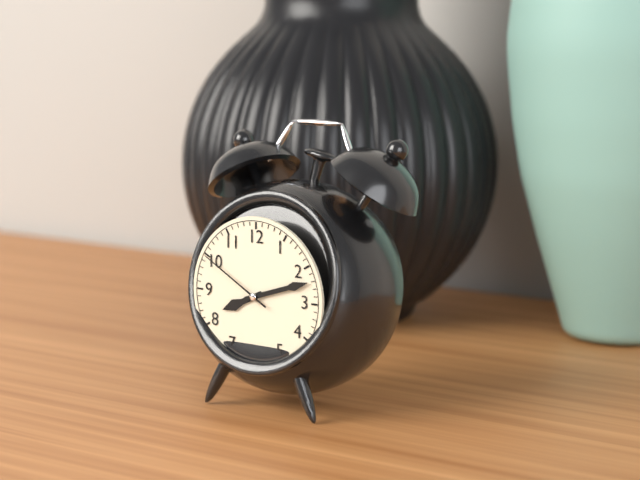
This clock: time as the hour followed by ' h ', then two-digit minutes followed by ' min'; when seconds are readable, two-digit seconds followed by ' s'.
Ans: 8 h 12 min 50 s
